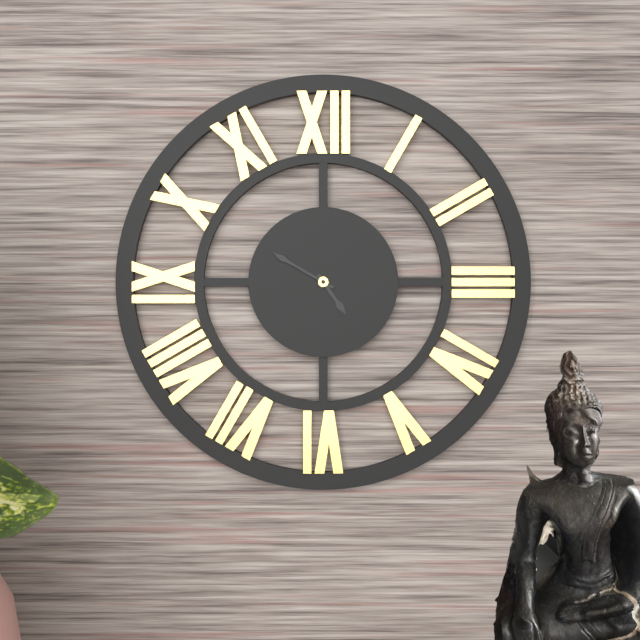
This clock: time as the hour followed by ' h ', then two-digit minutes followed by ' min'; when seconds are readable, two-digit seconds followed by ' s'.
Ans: 4 h 50 min
